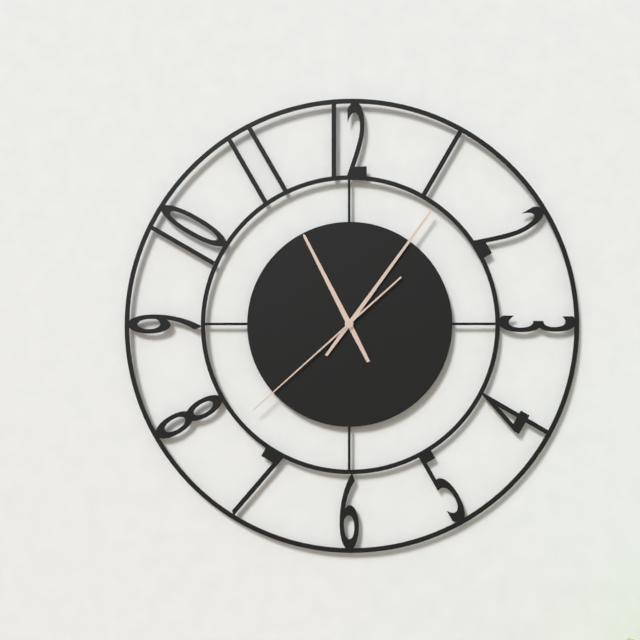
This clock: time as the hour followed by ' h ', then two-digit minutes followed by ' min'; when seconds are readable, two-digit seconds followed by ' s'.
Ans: 11 h 06 min 38 s
